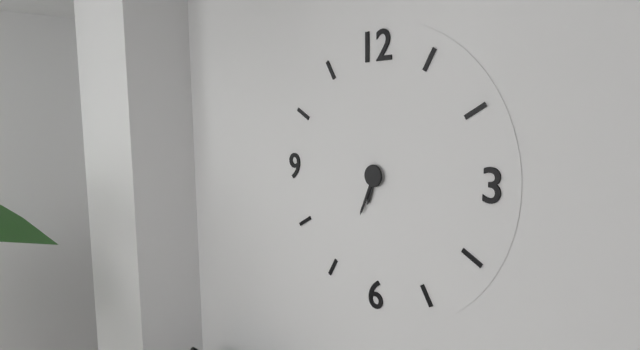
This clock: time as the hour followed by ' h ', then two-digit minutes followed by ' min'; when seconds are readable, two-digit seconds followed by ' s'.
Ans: 6 h 34 min
